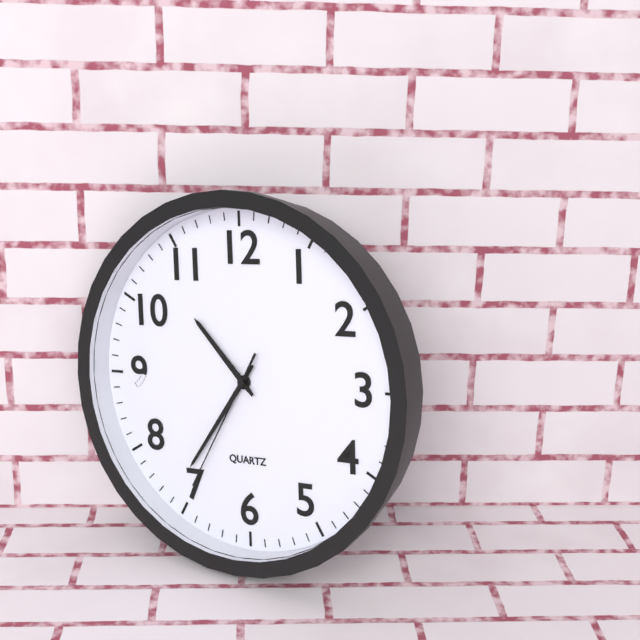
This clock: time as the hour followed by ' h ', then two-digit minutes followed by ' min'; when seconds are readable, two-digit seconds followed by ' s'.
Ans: 10 h 36 min 35 s
